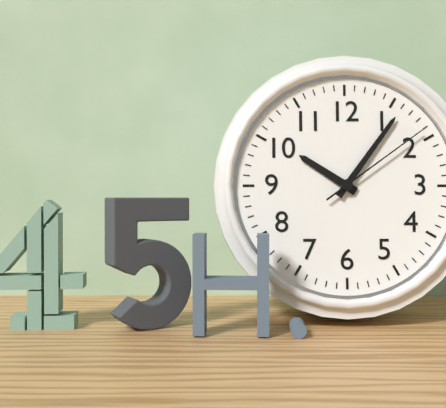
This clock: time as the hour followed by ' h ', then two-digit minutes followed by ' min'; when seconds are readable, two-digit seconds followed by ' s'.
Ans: 10 h 06 min 09 s
